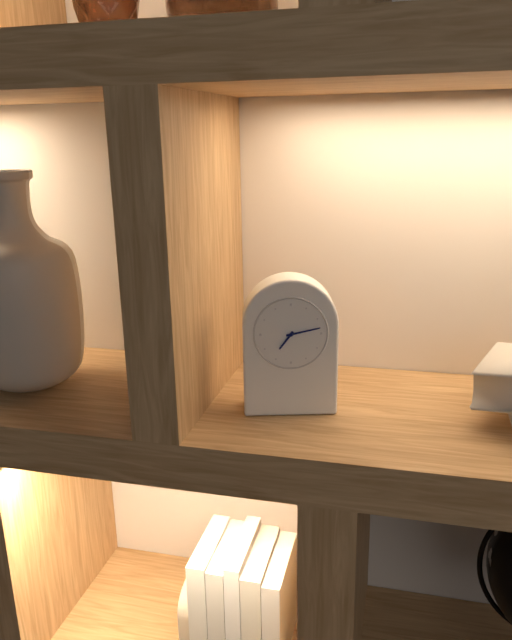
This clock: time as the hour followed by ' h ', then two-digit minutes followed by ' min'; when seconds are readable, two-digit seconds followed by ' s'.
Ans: 7 h 13 min
